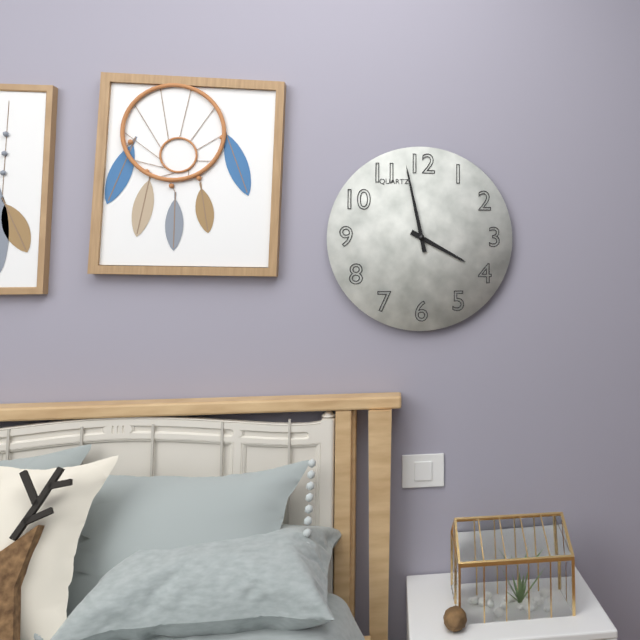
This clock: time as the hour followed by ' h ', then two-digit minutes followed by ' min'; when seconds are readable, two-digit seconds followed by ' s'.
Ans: 3 h 58 min
